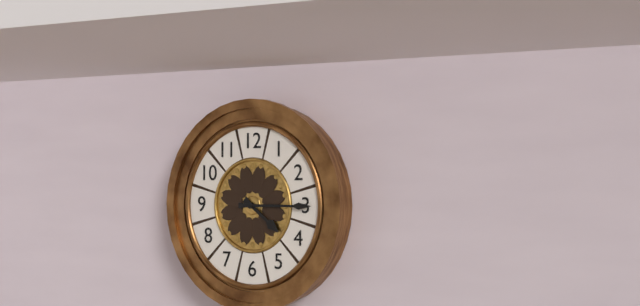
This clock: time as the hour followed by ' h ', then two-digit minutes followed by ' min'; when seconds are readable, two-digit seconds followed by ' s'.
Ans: 4 h 15 min
